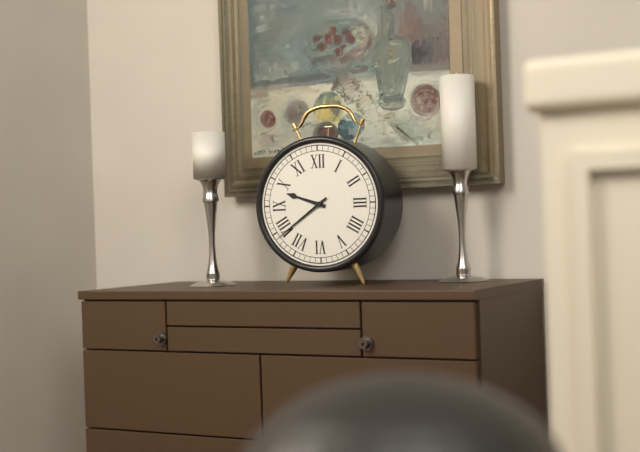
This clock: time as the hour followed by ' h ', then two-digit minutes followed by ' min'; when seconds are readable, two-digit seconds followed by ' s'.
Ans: 9 h 39 min
